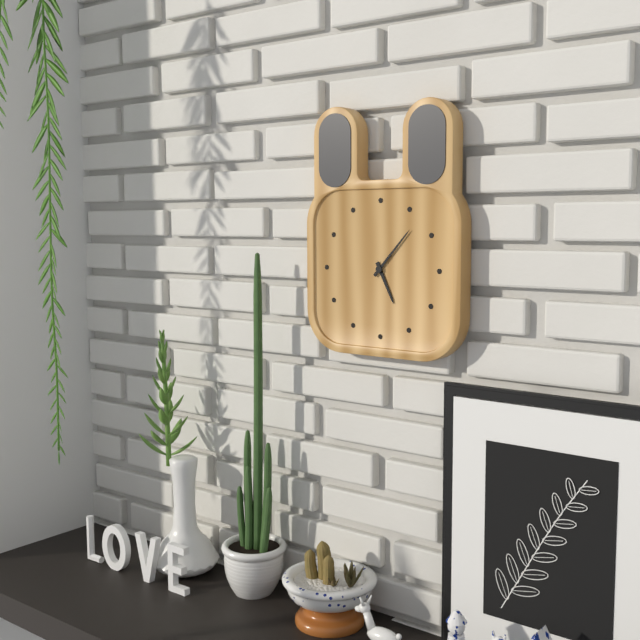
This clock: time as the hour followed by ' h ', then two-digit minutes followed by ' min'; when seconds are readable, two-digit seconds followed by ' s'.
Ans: 5 h 07 min
